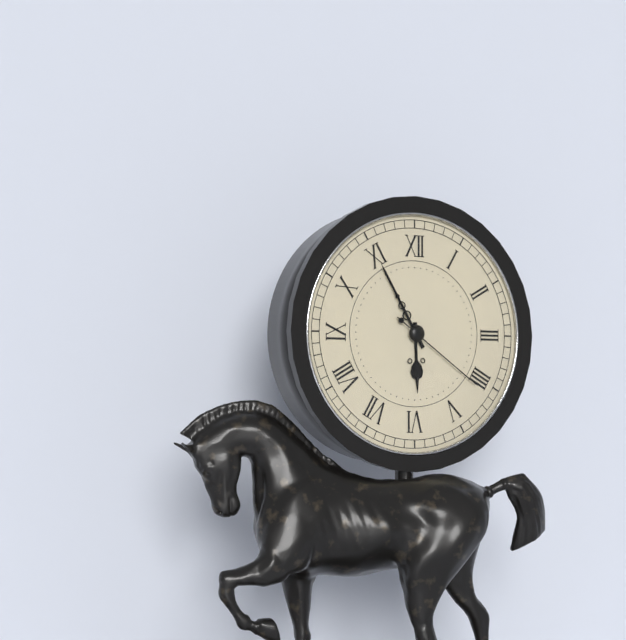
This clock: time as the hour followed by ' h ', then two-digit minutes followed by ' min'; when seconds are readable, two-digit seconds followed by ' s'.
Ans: 5 h 55 min 21 s
